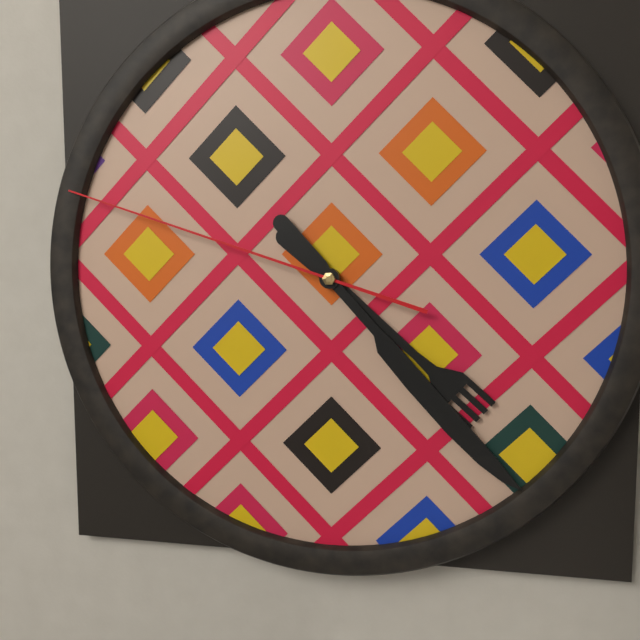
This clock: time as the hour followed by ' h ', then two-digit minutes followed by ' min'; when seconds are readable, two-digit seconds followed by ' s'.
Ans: 4 h 23 min 48 s
